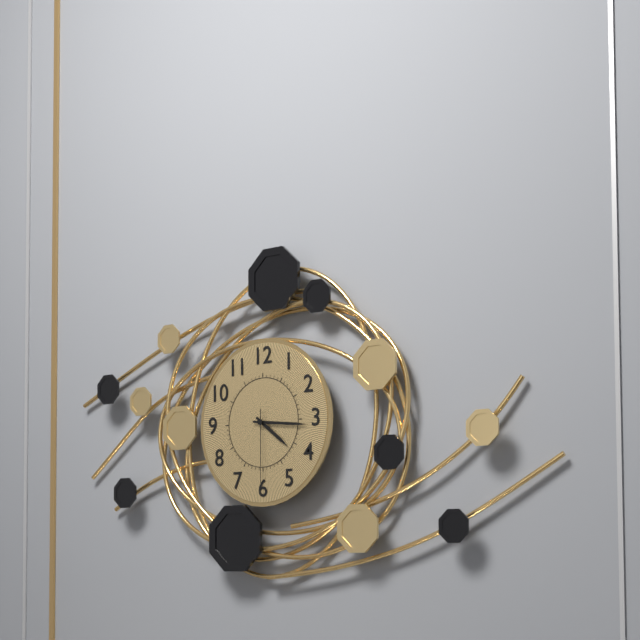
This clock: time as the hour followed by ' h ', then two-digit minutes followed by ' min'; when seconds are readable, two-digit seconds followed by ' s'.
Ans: 4 h 16 min 30 s
